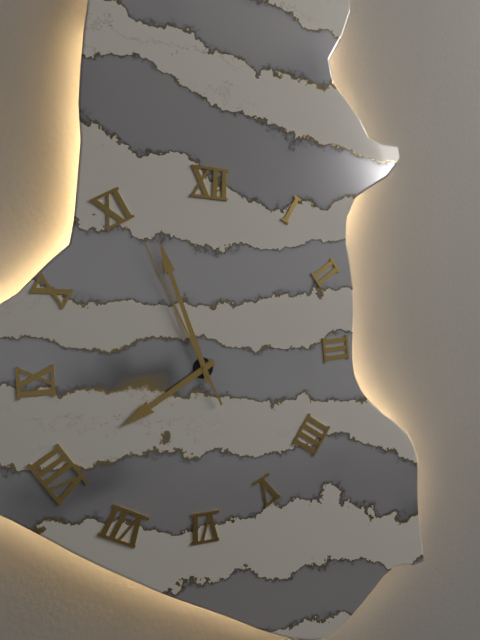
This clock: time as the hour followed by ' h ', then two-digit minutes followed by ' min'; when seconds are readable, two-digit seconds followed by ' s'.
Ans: 7 h 57 min 56 s
